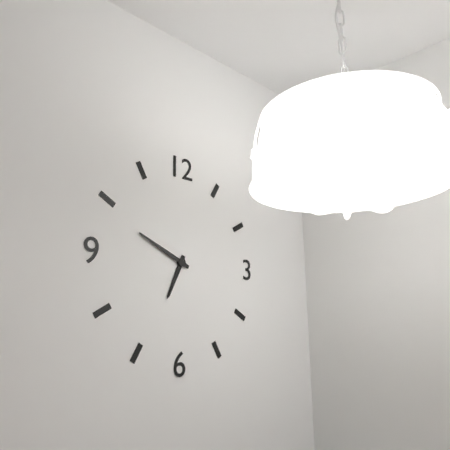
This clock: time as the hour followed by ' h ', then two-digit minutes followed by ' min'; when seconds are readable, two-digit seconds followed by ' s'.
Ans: 6 h 49 min
